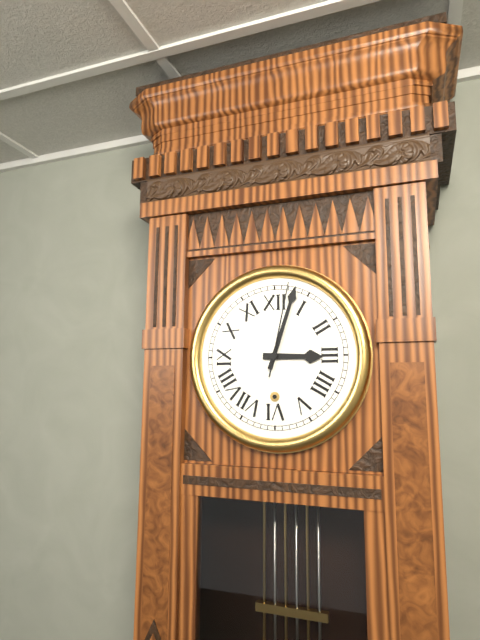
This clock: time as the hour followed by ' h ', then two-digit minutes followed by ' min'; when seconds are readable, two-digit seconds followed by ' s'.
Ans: 3 h 03 min 02 s
